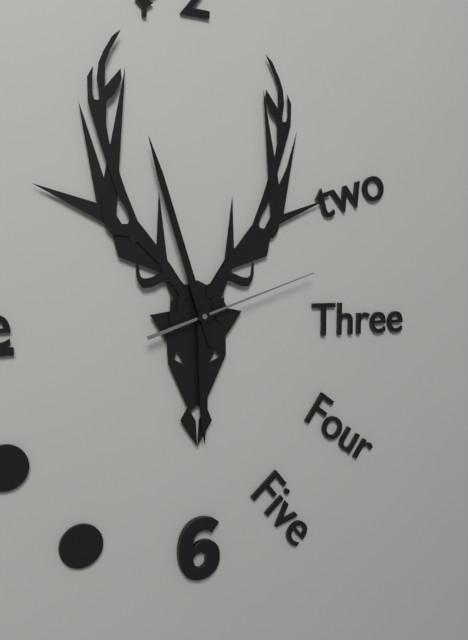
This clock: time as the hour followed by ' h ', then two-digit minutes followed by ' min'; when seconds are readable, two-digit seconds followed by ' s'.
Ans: 5 h 57 min 12 s
